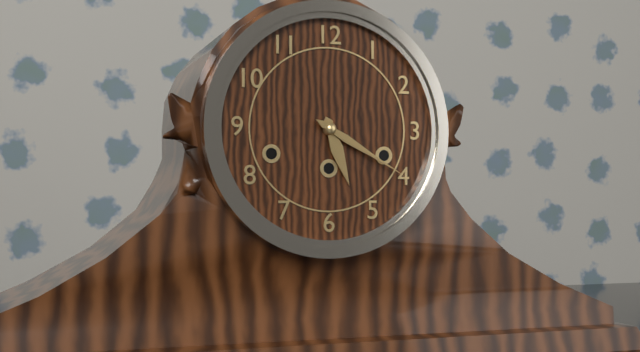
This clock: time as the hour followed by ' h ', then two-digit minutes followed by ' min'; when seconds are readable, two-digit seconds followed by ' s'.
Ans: 5 h 20 min
